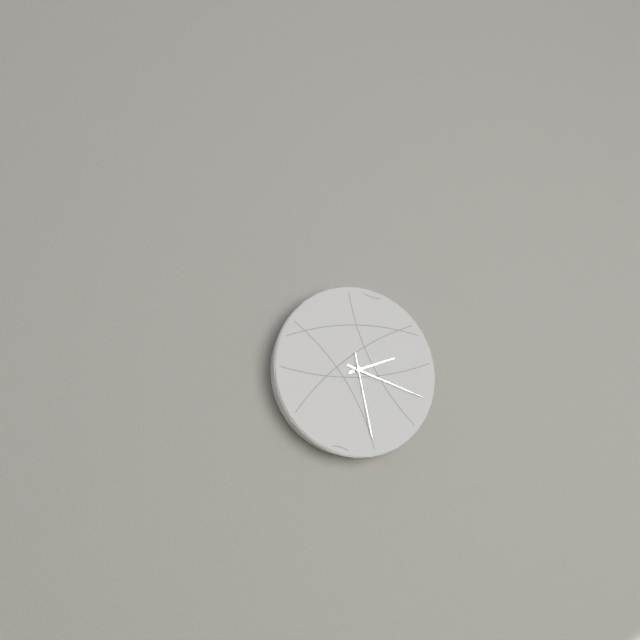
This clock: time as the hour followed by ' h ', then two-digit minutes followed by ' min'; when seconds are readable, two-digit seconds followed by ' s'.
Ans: 2 h 18 min 28 s
